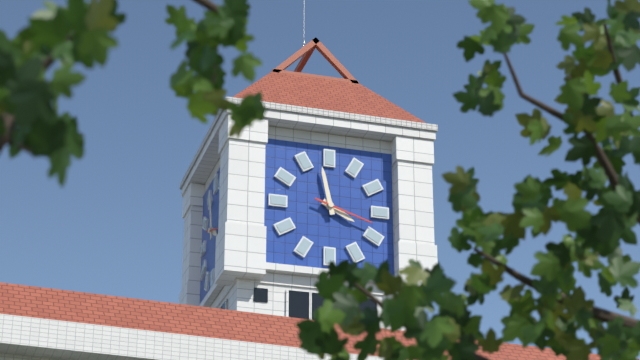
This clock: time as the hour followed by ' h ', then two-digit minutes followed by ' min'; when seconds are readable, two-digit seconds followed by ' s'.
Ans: 3 h 58 min 18 s
